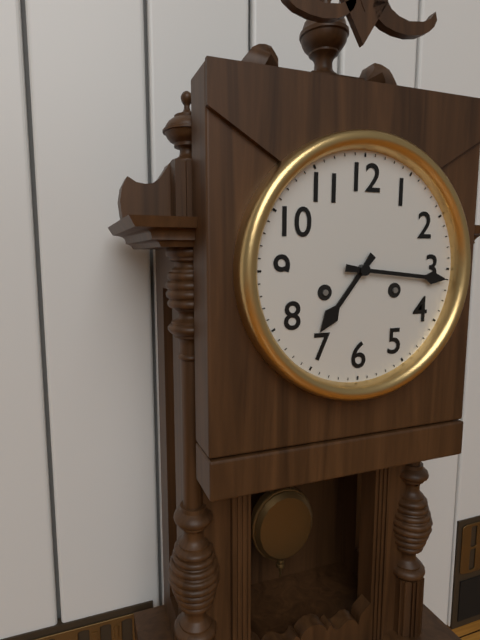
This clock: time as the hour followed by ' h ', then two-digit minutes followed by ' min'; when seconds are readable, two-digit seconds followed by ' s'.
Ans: 7 h 16 min
